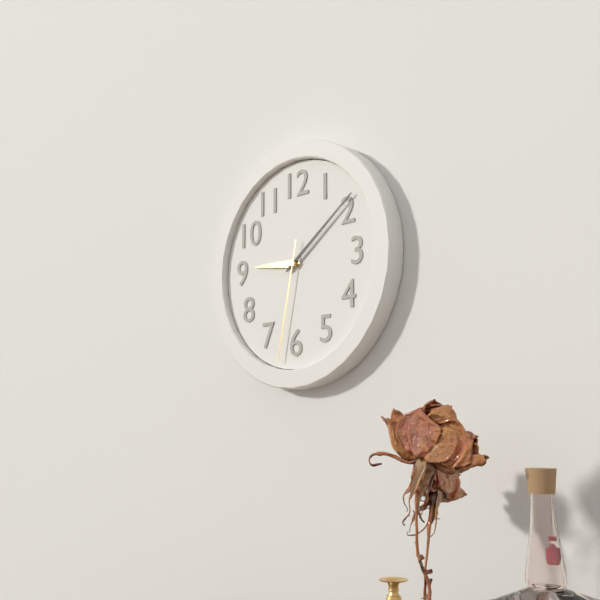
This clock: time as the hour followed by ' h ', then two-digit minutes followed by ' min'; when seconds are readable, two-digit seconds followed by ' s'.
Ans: 9 h 09 min 32 s
